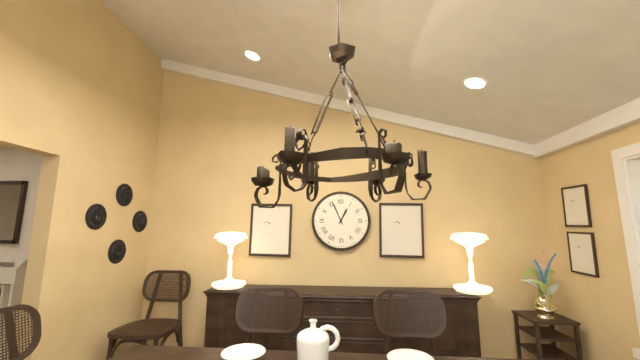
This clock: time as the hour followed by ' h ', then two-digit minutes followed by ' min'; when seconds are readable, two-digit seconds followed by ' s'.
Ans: 12 h 56 min
